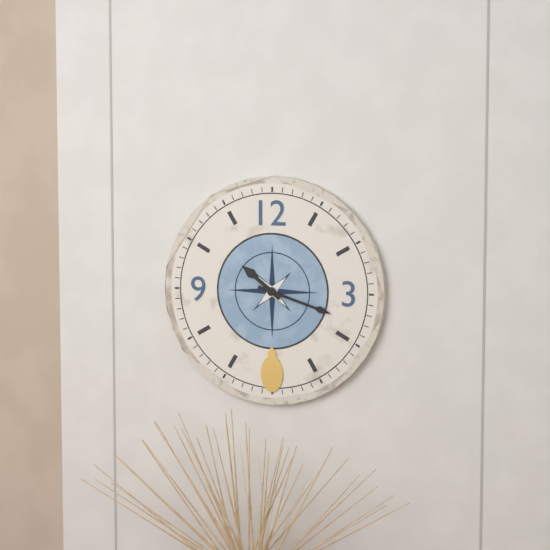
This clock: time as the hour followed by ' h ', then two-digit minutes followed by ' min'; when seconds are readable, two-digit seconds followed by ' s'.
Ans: 10 h 18 min
